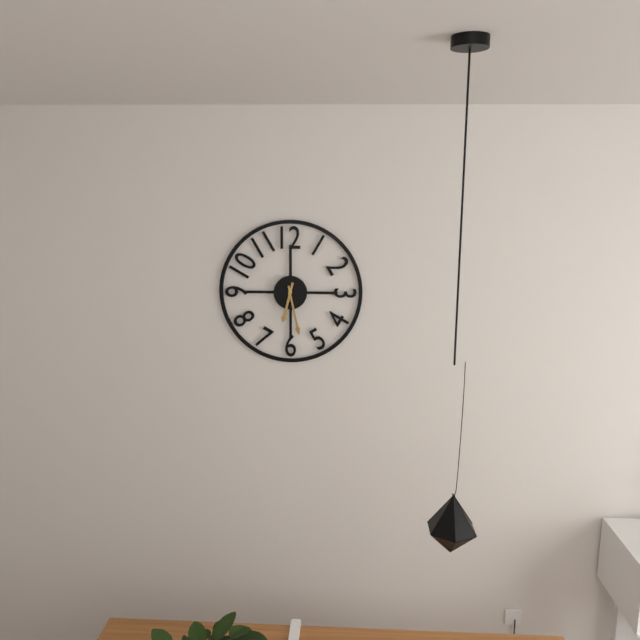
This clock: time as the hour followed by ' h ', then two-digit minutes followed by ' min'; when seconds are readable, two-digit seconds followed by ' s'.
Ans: 6 h 28 min
